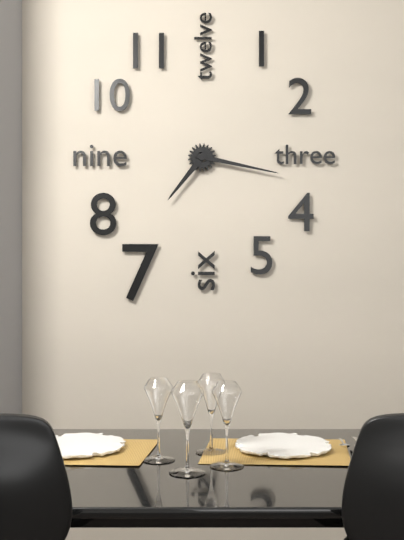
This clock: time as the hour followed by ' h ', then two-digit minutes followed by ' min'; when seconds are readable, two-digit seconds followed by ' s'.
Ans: 7 h 17 min
